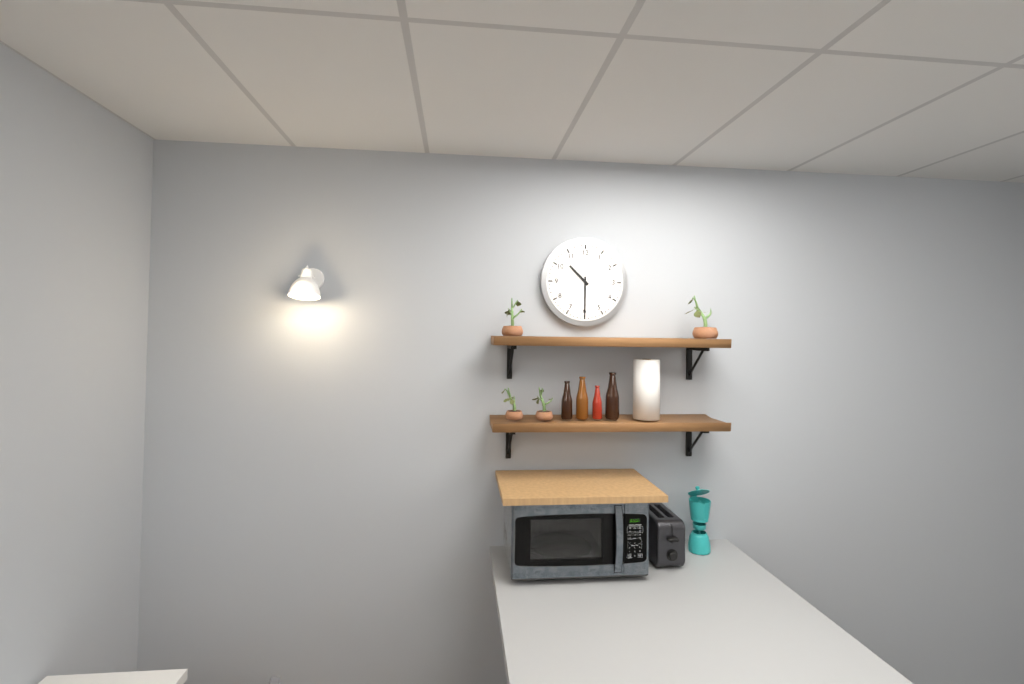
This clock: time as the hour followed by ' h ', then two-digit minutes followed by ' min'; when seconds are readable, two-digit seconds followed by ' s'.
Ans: 10 h 30 min
